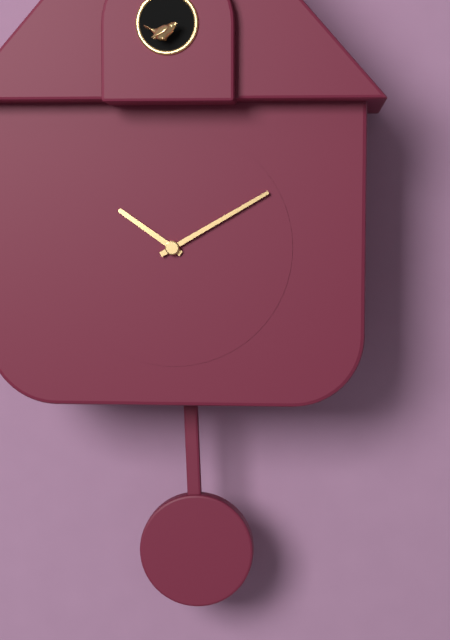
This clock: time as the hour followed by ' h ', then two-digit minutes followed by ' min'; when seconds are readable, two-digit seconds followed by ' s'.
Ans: 10 h 10 min
